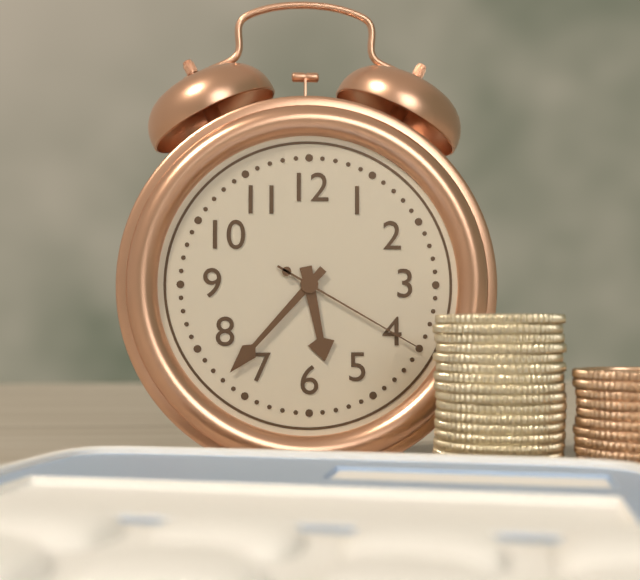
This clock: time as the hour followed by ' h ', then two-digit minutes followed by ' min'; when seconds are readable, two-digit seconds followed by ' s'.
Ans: 5 h 37 min 20 s
